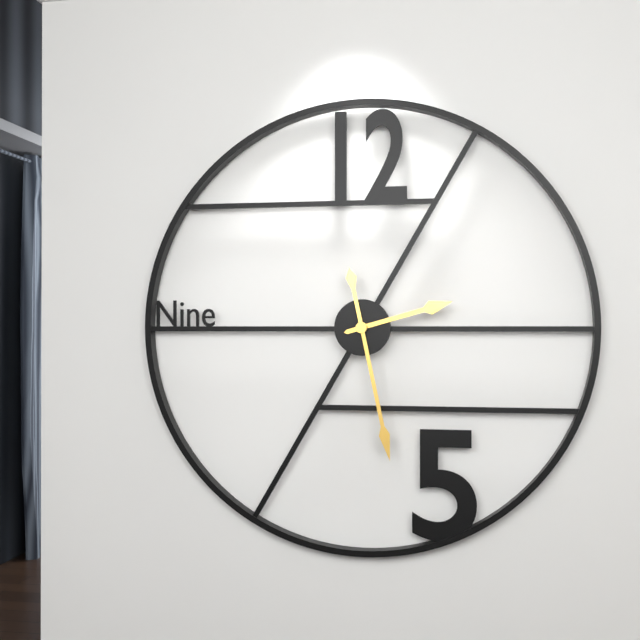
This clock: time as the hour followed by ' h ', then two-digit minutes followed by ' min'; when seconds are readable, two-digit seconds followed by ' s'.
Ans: 2 h 28 min
